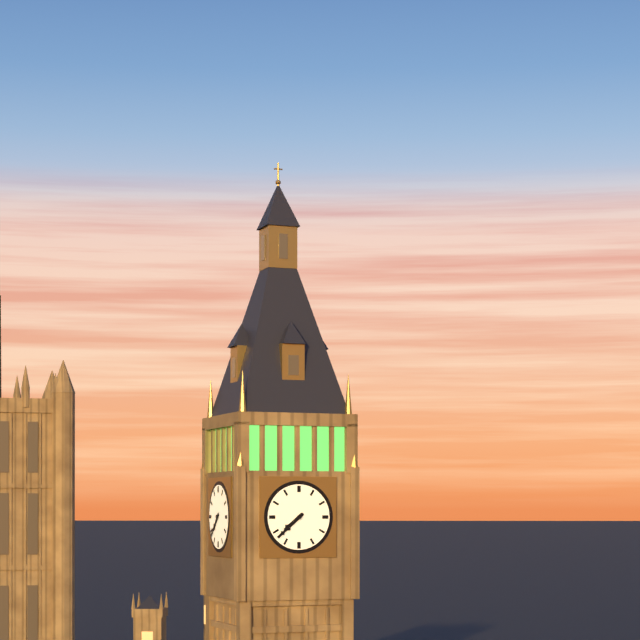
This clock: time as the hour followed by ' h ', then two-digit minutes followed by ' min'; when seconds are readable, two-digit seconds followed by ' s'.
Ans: 7 h 38 min
